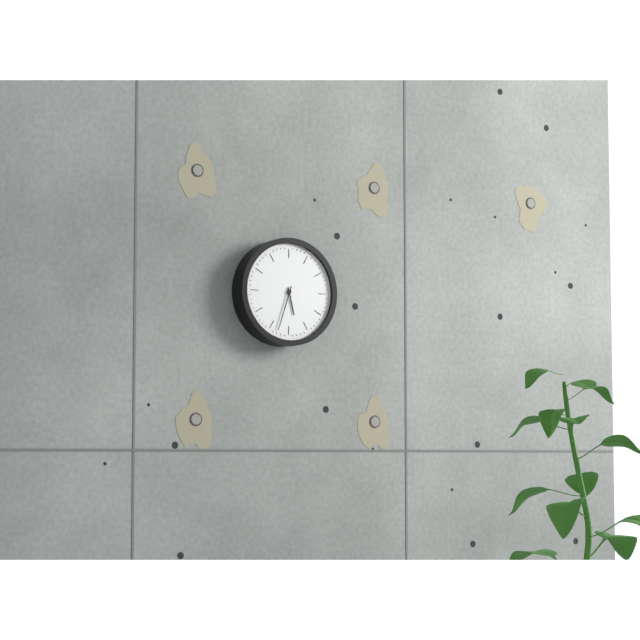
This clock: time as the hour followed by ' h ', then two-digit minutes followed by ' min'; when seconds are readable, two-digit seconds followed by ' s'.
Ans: 5 h 33 min
